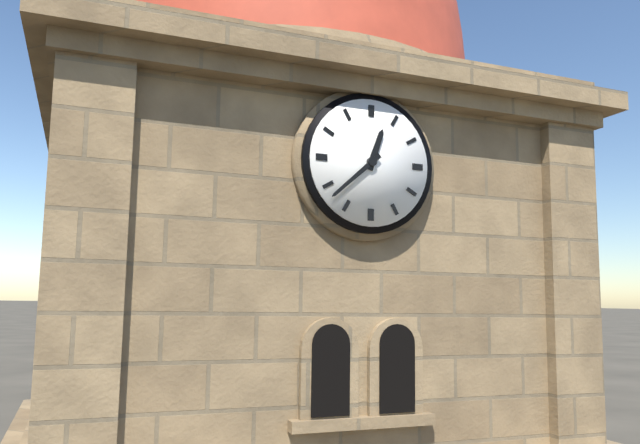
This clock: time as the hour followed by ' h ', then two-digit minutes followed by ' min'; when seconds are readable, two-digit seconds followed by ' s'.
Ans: 12 h 38 min
